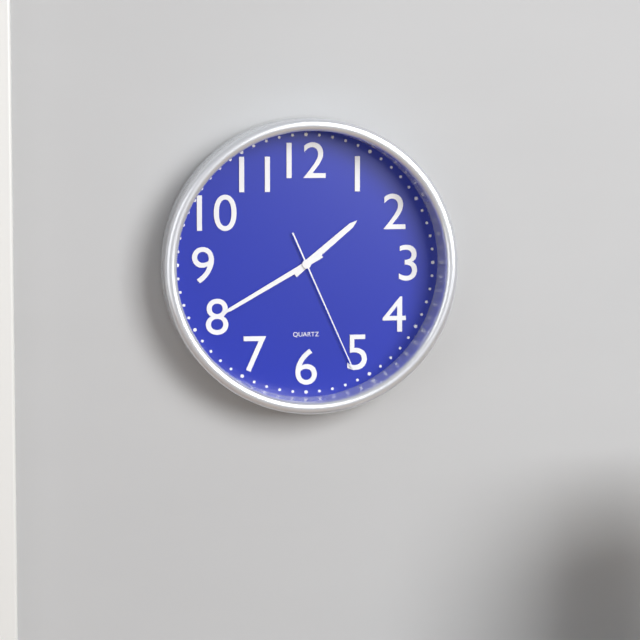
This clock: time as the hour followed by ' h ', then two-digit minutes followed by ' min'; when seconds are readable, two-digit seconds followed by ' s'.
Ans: 1 h 40 min 26 s
